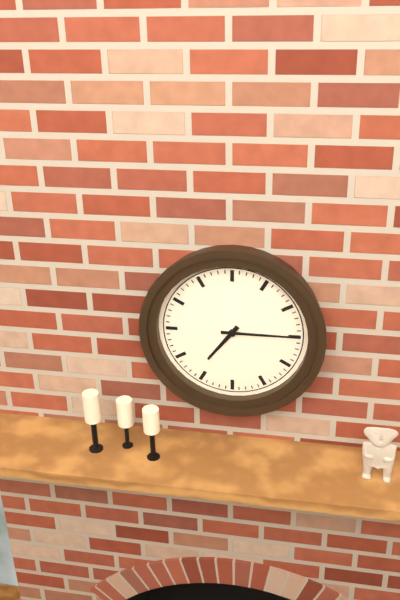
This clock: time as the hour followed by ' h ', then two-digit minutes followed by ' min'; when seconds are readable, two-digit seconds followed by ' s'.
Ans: 7 h 15 min
